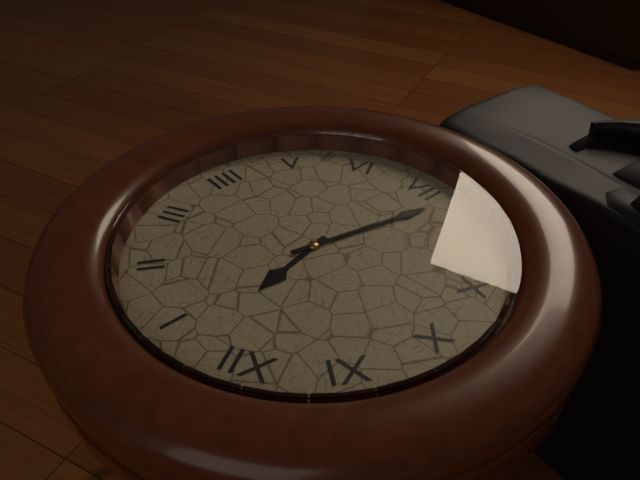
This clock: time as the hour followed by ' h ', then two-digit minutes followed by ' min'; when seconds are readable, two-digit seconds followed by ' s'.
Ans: 12 h 37 min
